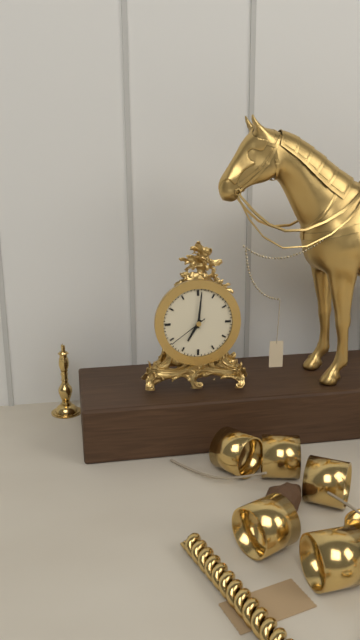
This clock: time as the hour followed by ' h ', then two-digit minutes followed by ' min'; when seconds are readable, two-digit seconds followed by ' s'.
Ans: 7 h 01 min
